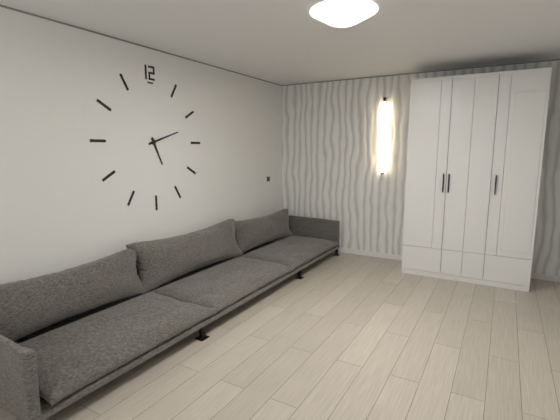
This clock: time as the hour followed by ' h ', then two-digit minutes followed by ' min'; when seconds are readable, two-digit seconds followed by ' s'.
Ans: 5 h 12 min
